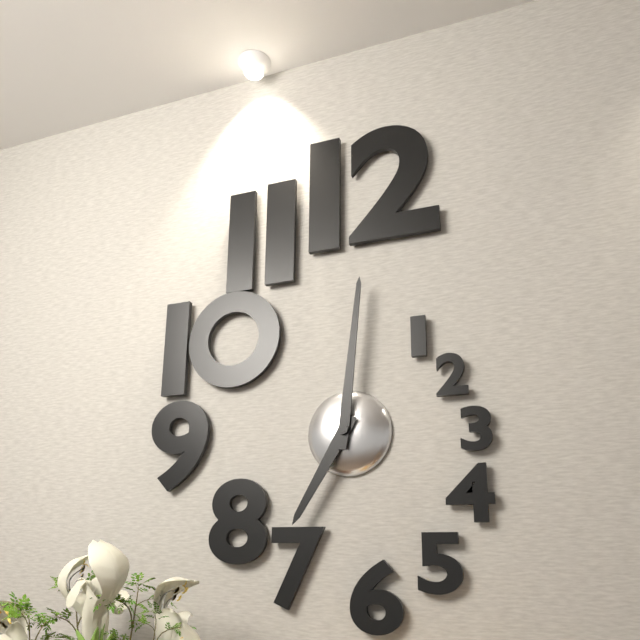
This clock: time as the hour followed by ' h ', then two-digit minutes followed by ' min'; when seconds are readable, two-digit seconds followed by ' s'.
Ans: 7 h 01 min
